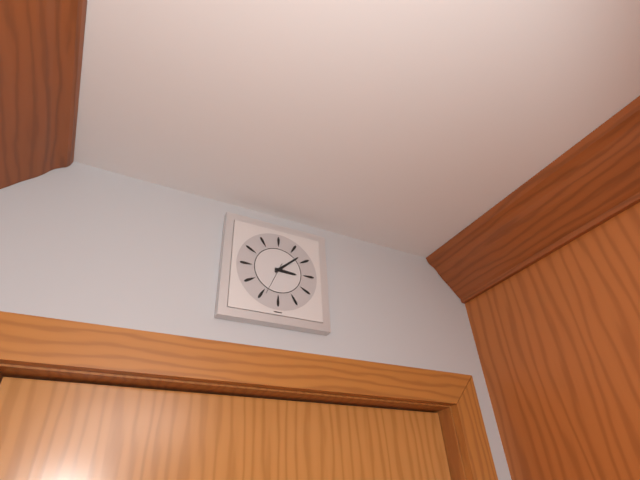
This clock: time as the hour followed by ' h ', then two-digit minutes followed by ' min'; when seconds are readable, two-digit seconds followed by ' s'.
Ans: 3 h 08 min
